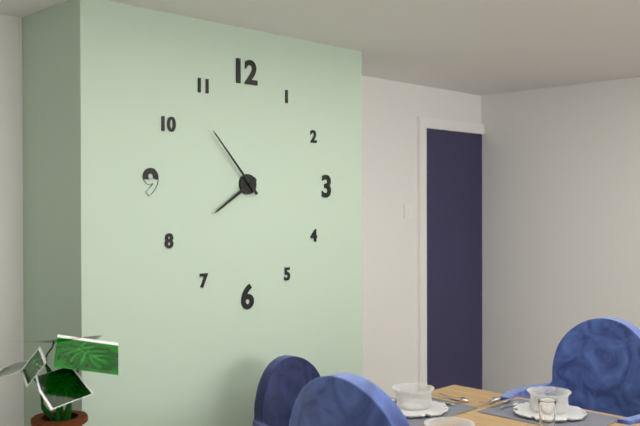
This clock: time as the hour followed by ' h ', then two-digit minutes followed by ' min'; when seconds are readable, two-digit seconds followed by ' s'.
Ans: 7 h 53 min
